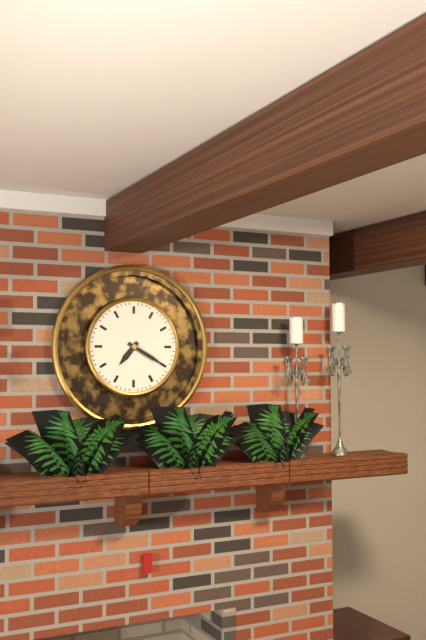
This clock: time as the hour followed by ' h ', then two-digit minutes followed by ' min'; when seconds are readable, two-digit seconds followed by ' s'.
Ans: 7 h 20 min
